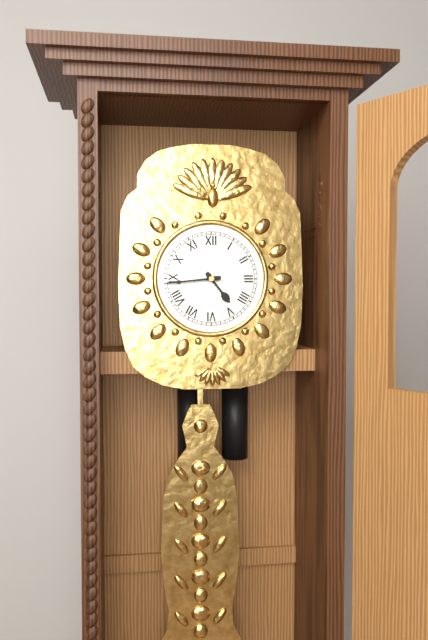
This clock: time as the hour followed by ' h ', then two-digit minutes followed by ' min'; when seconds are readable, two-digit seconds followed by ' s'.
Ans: 4 h 44 min
